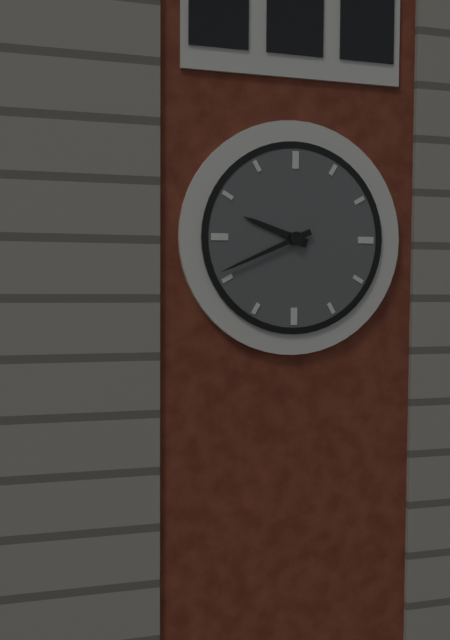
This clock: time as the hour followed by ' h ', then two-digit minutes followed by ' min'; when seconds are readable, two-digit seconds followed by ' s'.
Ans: 9 h 41 min
